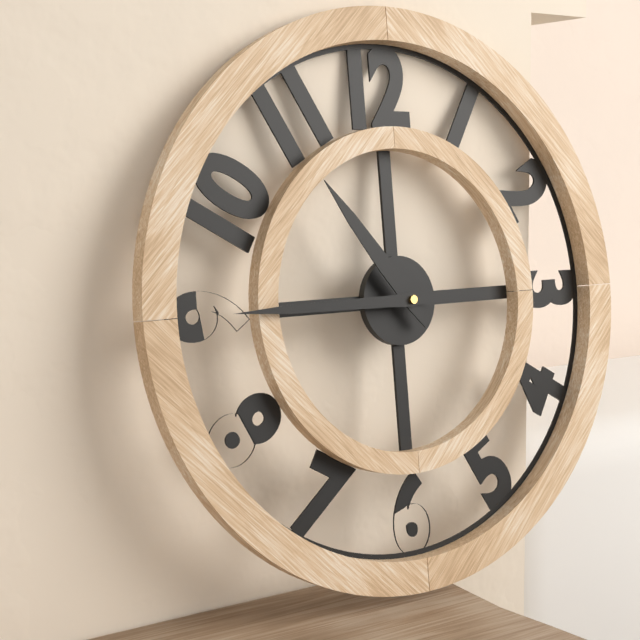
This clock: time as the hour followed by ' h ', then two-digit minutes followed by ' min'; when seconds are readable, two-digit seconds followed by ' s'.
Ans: 10 h 45 min
